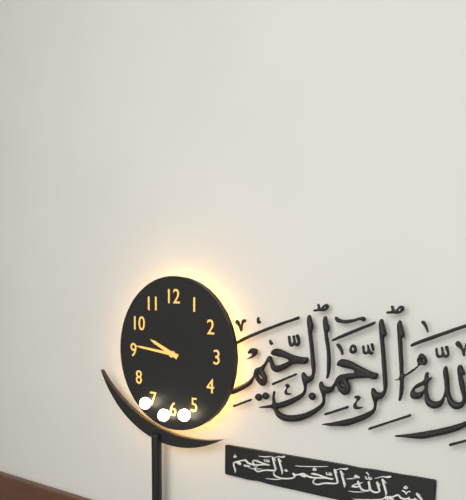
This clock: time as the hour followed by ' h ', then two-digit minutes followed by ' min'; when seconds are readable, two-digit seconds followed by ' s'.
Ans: 9 h 46 min
